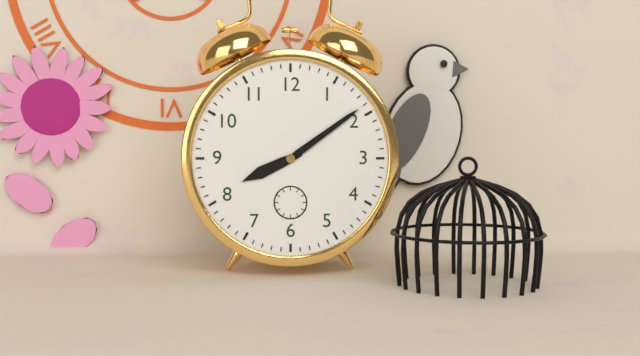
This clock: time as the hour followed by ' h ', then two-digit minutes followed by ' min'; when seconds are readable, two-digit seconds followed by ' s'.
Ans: 8 h 09 min
